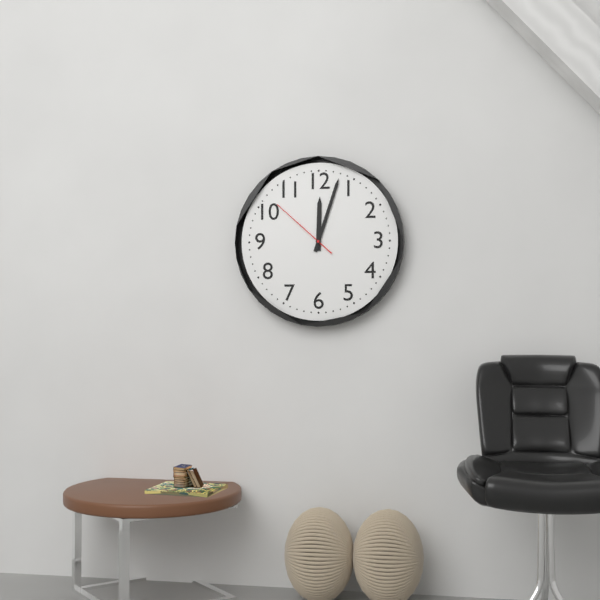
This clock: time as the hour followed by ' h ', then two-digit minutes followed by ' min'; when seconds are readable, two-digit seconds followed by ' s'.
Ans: 12 h 03 min 52 s
